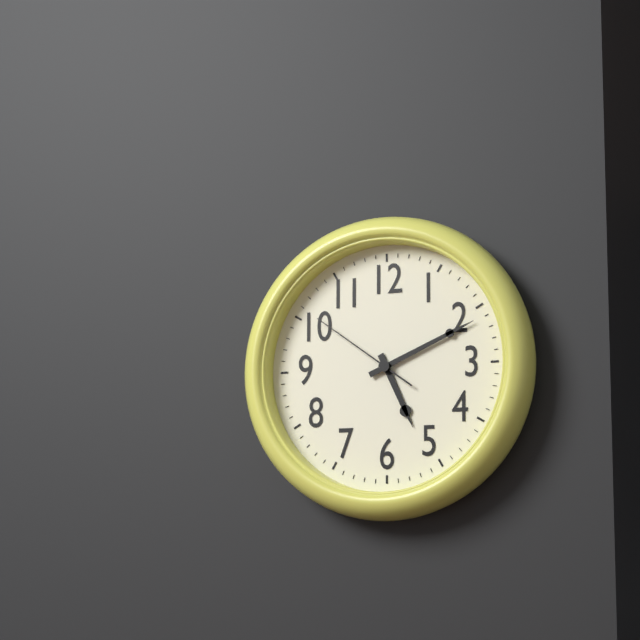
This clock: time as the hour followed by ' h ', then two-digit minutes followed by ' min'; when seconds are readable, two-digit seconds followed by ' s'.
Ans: 5 h 11 min 51 s
